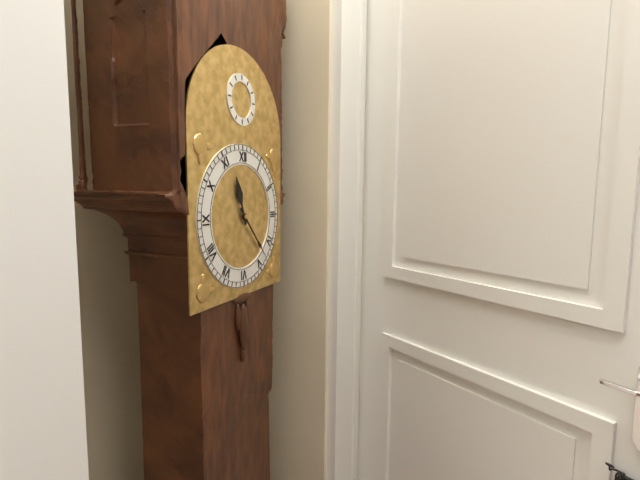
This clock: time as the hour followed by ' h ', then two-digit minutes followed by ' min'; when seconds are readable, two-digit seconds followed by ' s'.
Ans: 11 h 23 min
